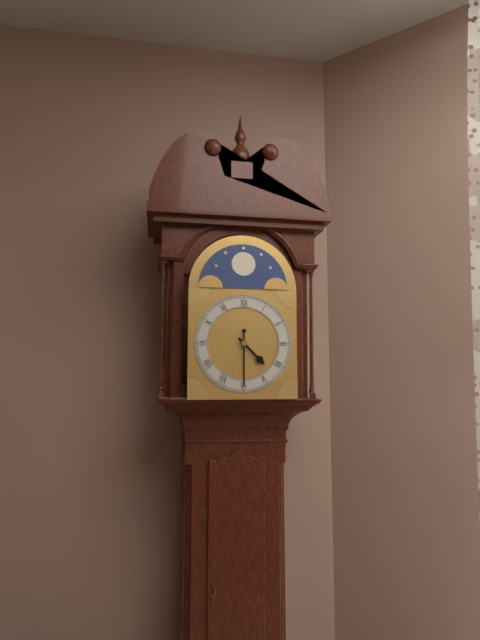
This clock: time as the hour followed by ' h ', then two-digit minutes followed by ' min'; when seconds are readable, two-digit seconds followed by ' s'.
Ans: 4 h 30 min
